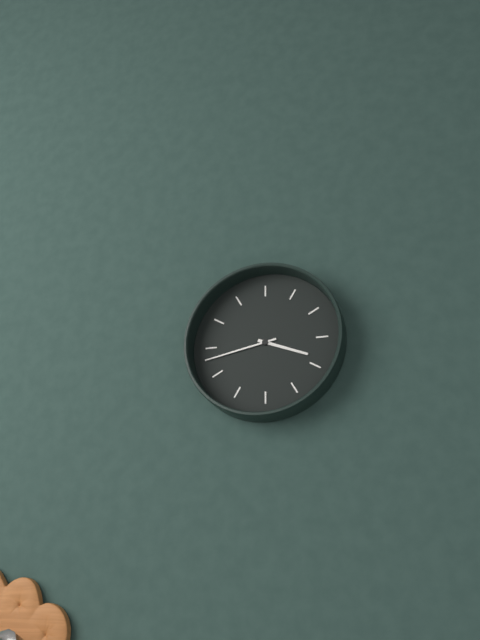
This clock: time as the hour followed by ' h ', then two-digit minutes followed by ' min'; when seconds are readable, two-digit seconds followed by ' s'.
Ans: 3 h 43 min
